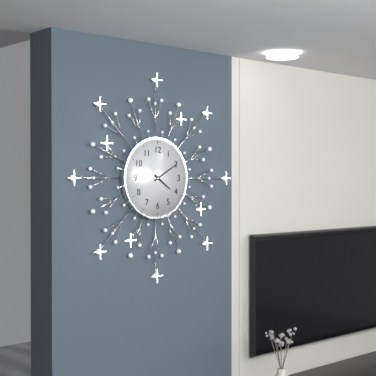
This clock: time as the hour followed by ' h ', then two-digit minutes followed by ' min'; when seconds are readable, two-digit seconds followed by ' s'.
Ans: 4 h 10 min
